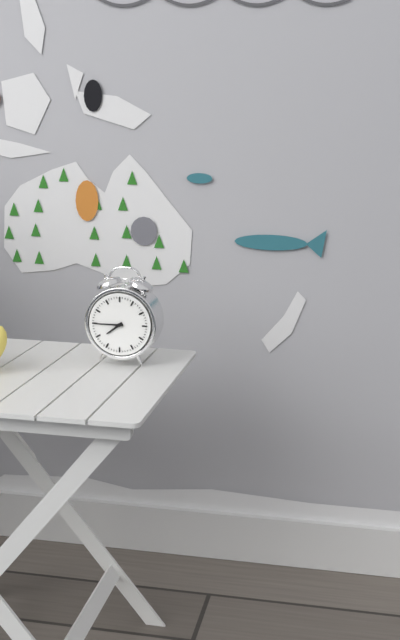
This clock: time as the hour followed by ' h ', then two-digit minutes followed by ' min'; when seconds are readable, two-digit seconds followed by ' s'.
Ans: 7 h 45 min
